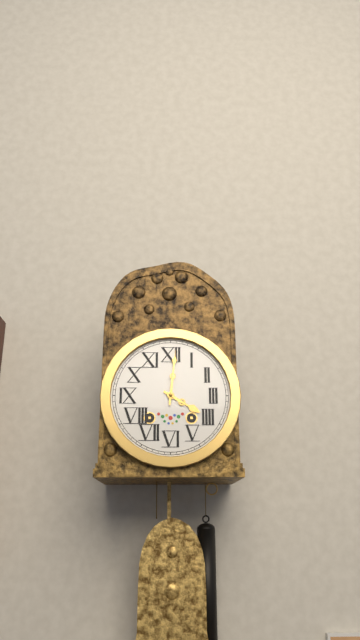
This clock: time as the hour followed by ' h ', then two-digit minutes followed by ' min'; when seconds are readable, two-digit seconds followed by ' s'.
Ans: 4 h 01 min
